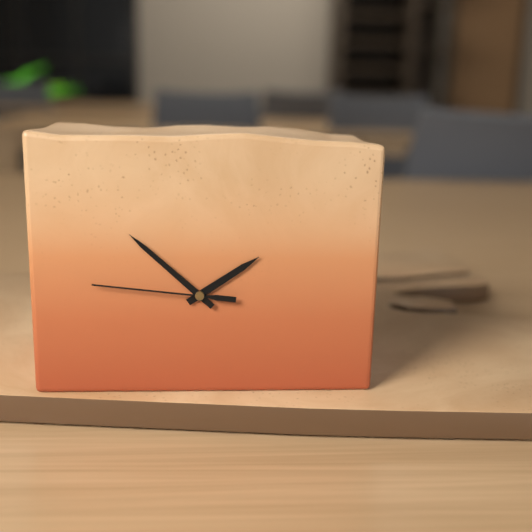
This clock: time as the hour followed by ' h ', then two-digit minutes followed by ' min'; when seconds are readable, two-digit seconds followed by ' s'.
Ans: 1 h 52 min 46 s
